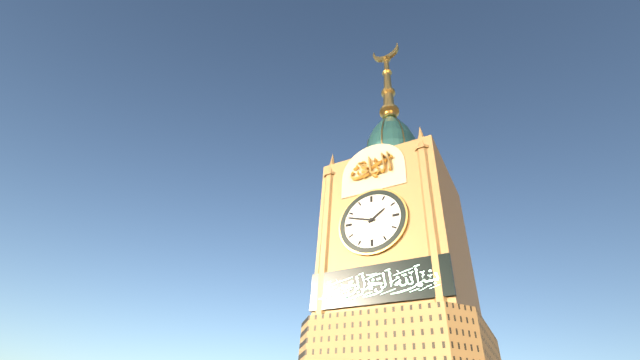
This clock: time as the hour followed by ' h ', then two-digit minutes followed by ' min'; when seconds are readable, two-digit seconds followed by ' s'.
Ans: 1 h 48 min
